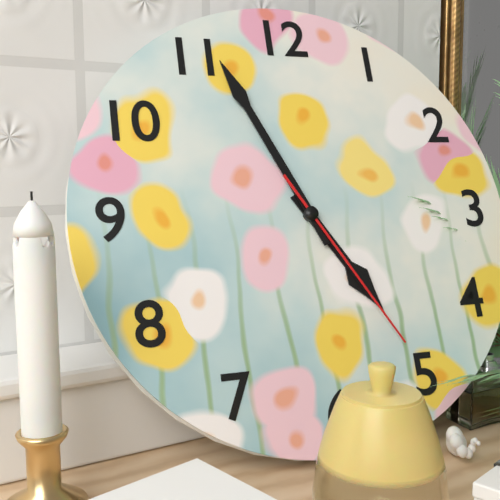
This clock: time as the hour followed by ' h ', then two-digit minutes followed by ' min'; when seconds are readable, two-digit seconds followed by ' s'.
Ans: 4 h 56 min 25 s
